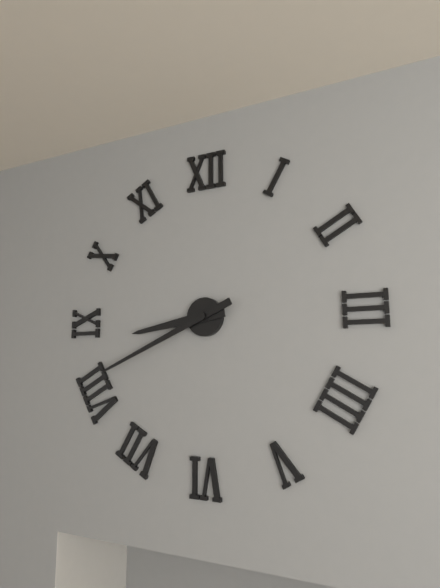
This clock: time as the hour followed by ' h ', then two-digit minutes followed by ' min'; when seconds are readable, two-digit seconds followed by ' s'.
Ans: 8 h 41 min
